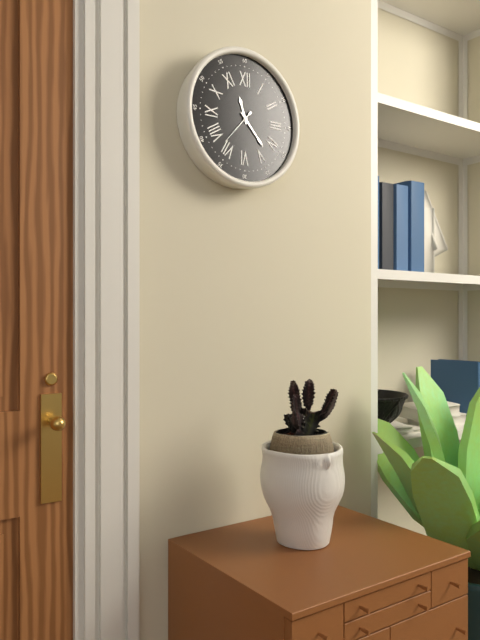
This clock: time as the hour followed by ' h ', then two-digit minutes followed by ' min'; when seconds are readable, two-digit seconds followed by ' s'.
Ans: 11 h 23 min
